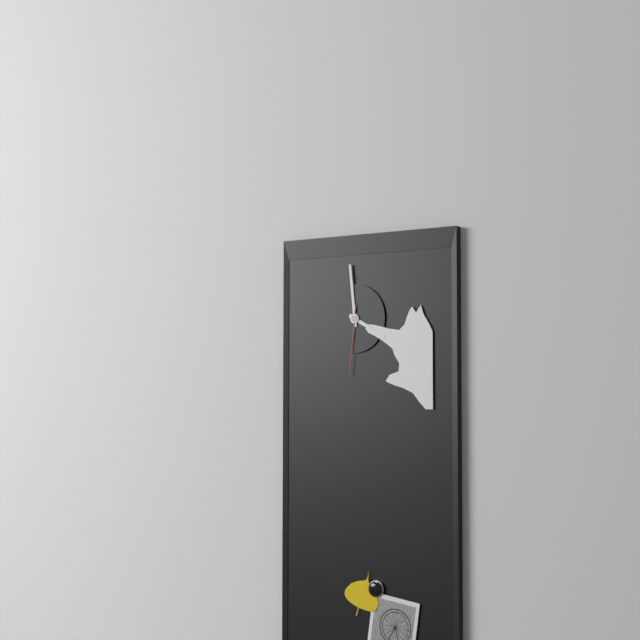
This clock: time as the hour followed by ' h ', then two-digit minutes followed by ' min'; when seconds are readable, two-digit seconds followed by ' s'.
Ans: 3 h 59 min 31 s
